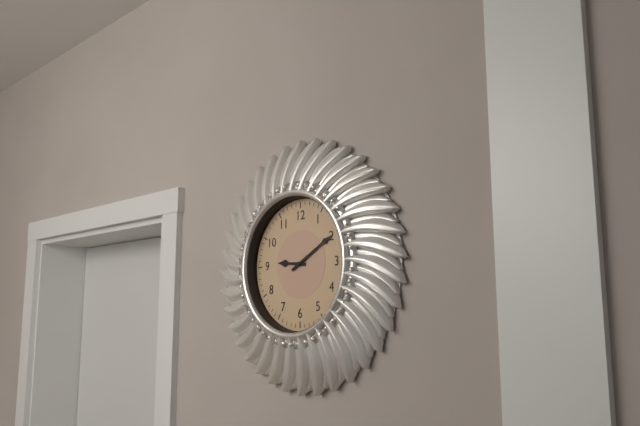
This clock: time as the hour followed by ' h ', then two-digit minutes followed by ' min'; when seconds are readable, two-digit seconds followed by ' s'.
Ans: 9 h 10 min
